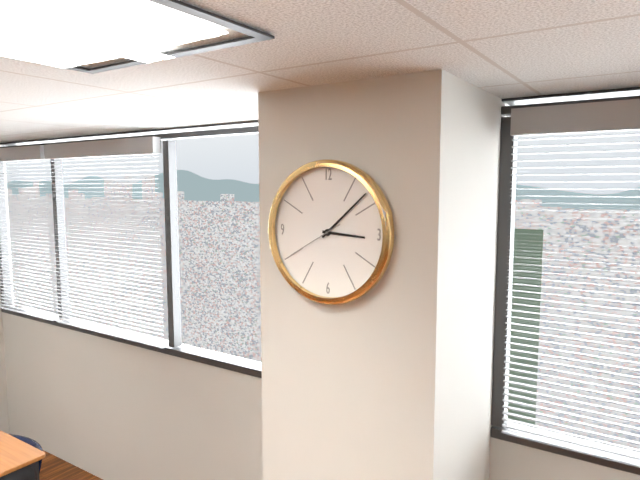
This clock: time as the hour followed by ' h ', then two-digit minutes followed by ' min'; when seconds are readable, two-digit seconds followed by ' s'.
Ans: 3 h 08 min 40 s
